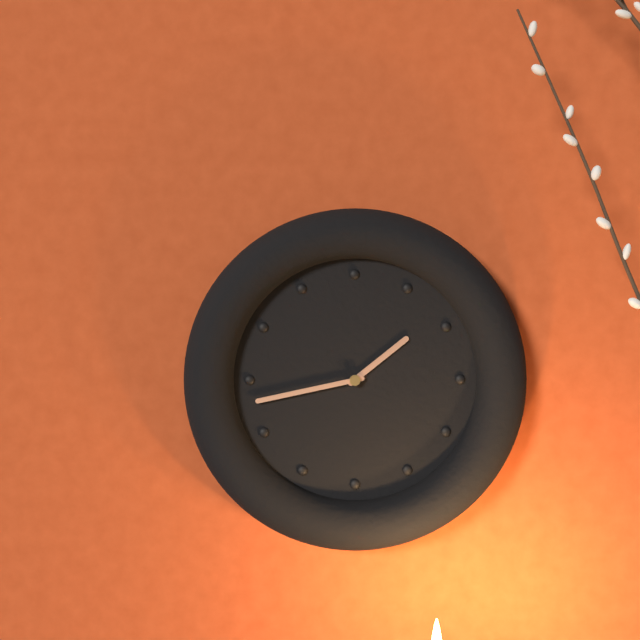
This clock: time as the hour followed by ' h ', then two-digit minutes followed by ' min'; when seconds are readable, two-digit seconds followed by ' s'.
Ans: 1 h 43 min
